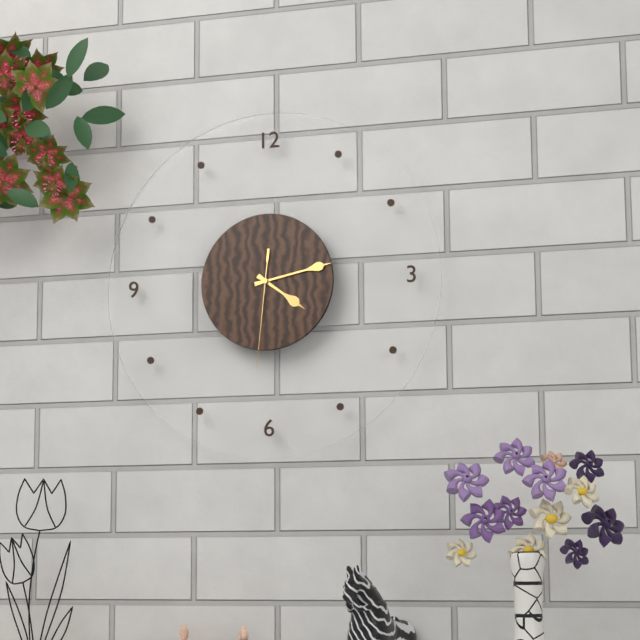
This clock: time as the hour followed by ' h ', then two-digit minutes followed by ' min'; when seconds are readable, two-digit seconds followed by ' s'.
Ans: 4 h 13 min 31 s
